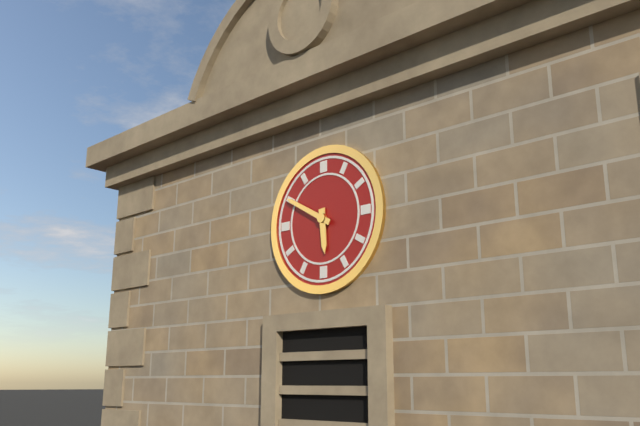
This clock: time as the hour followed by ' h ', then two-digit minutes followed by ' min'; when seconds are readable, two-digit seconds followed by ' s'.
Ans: 5 h 50 min
